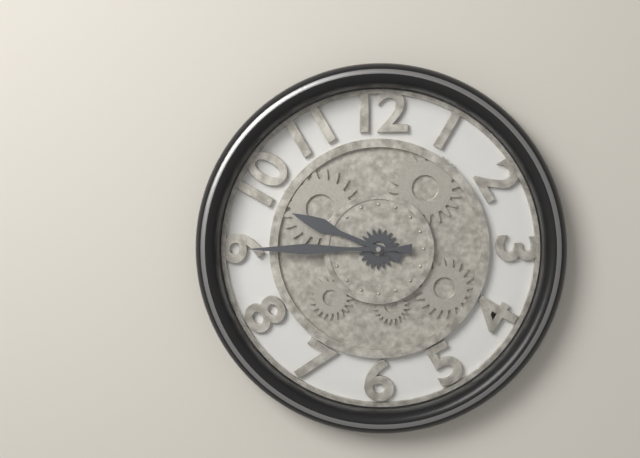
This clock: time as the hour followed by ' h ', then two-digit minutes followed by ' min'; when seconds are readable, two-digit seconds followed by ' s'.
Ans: 9 h 45 min
